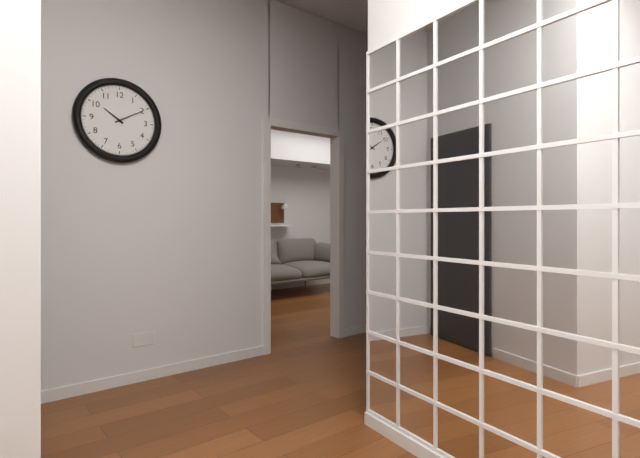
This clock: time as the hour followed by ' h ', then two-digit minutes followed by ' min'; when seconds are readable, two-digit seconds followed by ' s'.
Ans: 10 h 10 min
